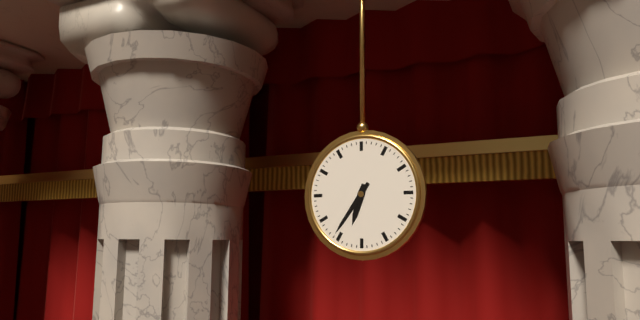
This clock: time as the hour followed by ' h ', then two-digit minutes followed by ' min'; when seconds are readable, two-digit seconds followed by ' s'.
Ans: 6 h 36 min
